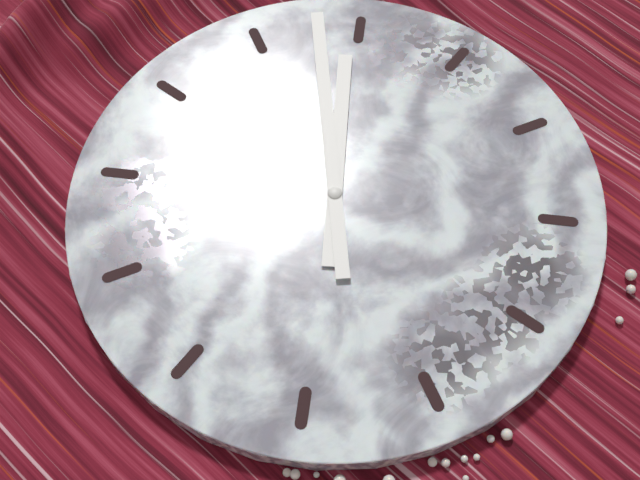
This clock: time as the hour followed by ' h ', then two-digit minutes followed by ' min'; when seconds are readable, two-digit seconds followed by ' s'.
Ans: 10 h 53 min
